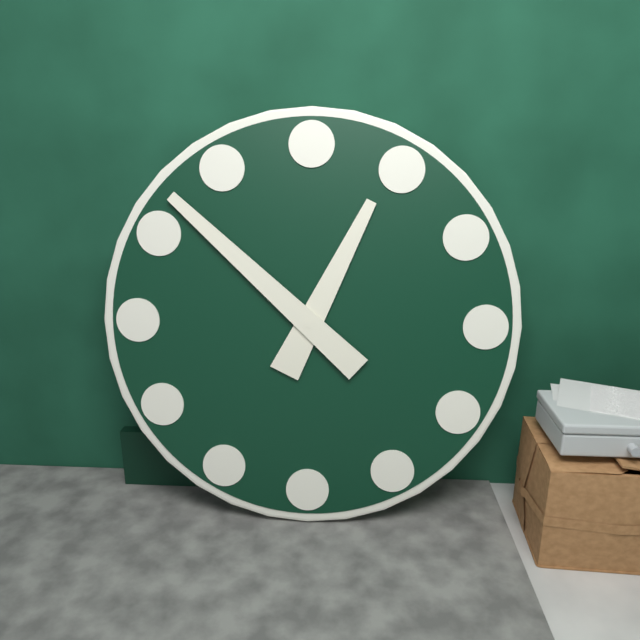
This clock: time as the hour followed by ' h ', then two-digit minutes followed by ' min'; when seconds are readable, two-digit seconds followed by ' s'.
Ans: 12 h 52 min
